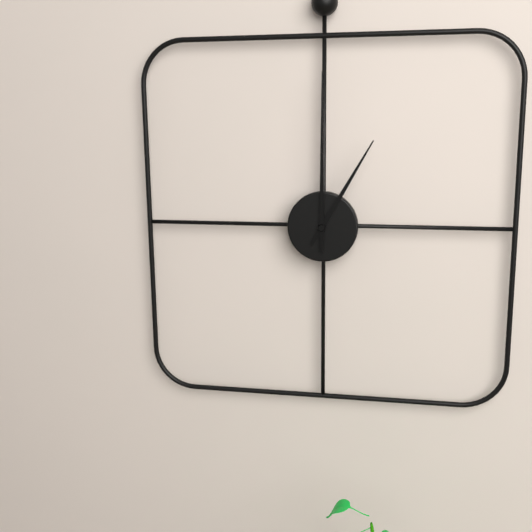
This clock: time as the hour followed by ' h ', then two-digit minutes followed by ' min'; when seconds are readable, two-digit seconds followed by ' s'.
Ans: 1 h 00 min
